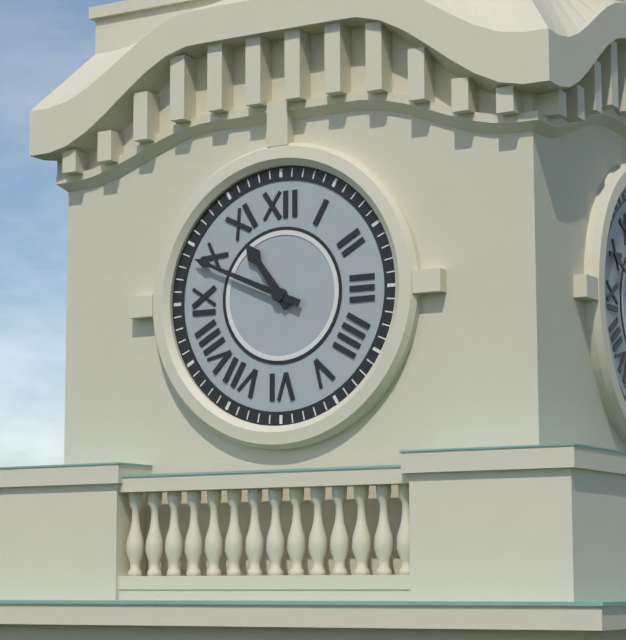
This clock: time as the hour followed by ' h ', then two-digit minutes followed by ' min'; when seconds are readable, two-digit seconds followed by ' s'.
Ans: 10 h 49 min
